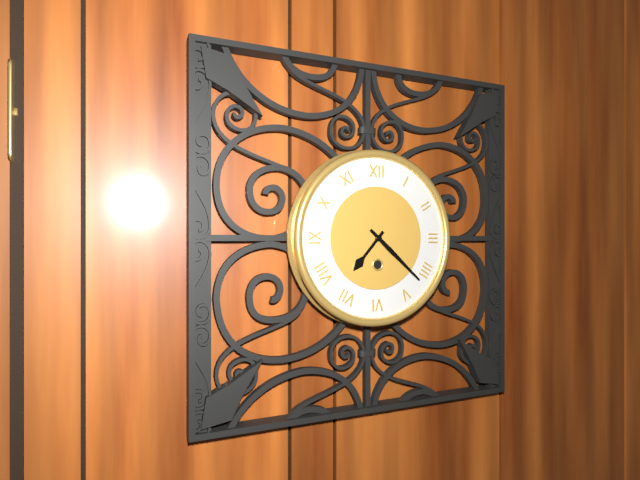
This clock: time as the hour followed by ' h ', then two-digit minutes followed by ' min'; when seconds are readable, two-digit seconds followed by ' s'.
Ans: 7 h 22 min
